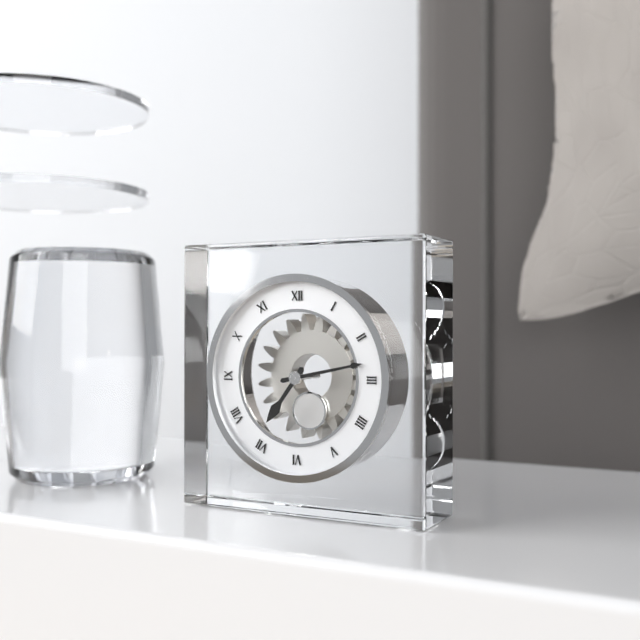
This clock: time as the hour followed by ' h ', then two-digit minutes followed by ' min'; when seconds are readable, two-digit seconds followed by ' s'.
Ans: 7 h 13 min
